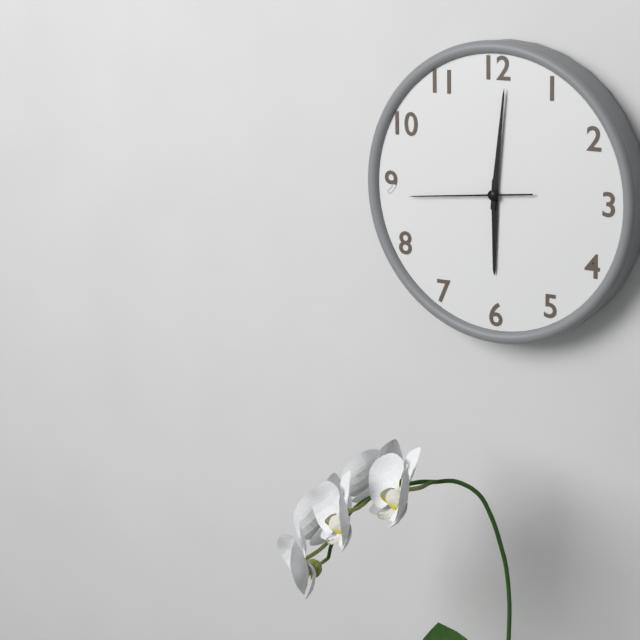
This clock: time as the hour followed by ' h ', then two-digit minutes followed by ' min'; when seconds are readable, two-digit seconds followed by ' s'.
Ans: 6 h 01 min 44 s
